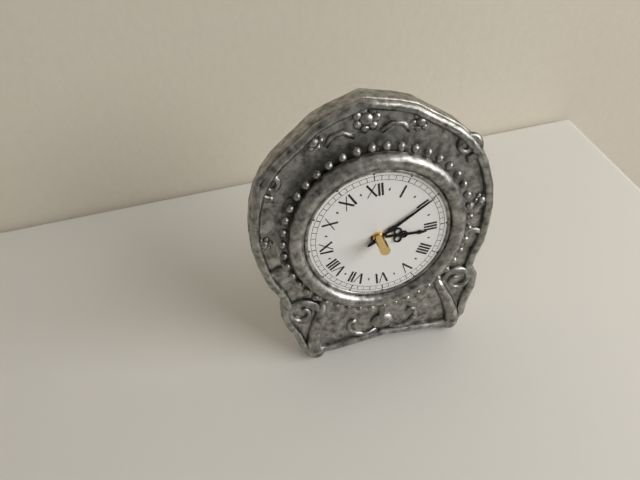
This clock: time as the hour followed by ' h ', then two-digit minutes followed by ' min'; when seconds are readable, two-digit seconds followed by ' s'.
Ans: 3 h 10 min
